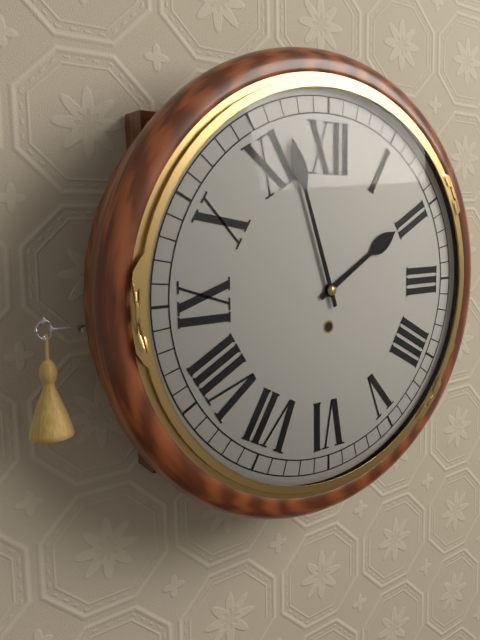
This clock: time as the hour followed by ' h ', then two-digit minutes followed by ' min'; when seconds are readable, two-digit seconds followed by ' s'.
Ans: 1 h 57 min
